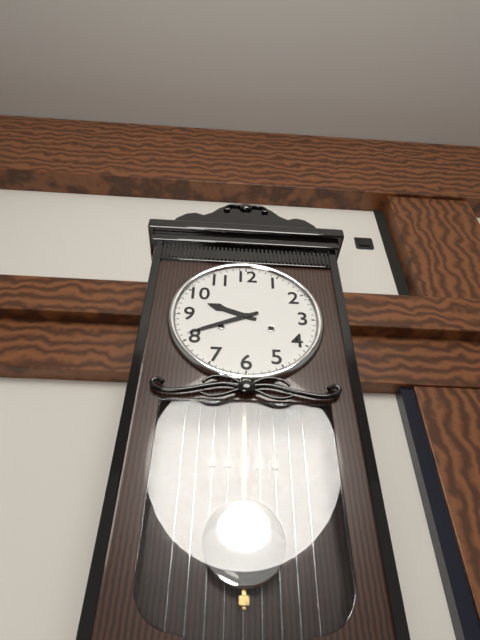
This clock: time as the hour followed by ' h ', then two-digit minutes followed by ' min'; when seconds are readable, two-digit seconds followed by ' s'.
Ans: 9 h 41 min
